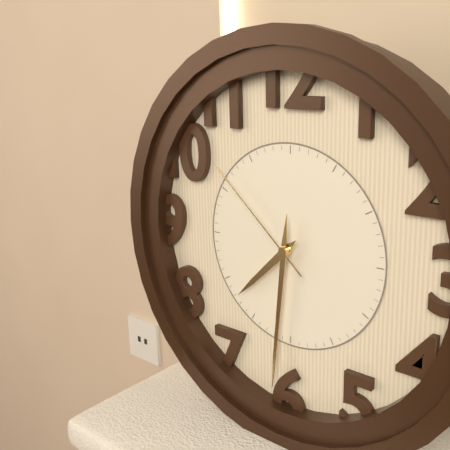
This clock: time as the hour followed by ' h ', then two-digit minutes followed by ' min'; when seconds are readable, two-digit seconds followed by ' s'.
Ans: 7 h 31 min 52 s
